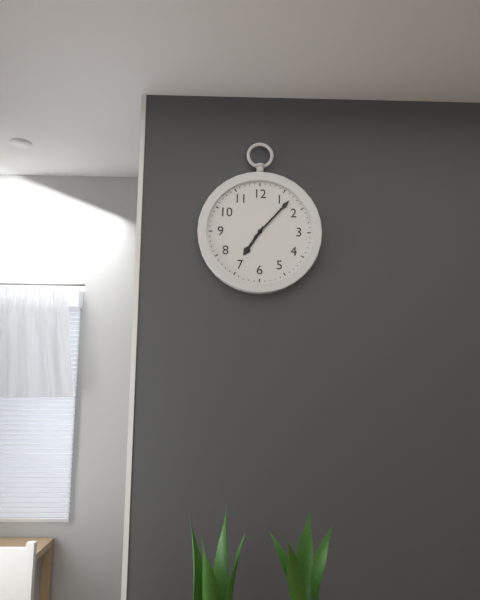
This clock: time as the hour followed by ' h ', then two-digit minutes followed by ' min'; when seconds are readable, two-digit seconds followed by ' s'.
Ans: 7 h 07 min
